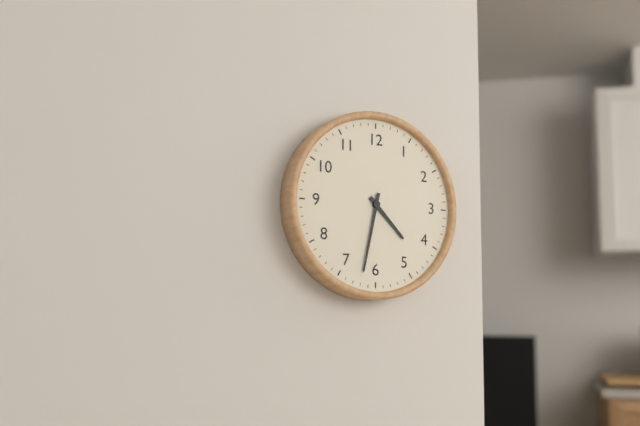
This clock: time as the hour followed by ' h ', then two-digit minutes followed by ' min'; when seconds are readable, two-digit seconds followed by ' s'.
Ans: 4 h 32 min
